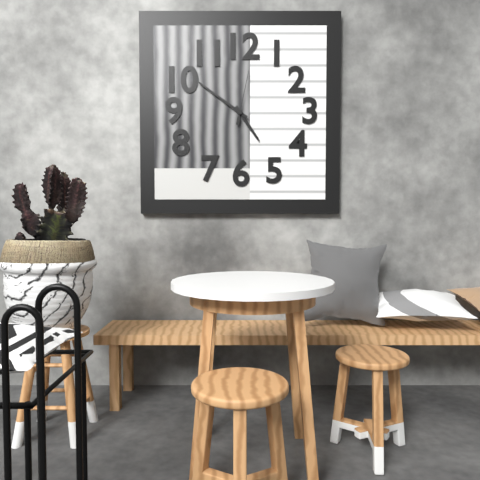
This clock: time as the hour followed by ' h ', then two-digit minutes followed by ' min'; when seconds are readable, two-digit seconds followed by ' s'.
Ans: 4 h 51 min 02 s
